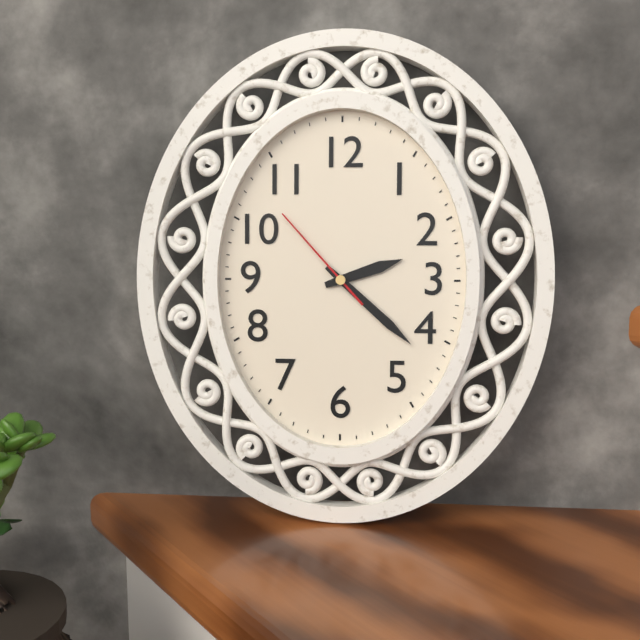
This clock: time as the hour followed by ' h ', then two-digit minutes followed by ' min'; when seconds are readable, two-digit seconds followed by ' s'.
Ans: 2 h 22 min 53 s
